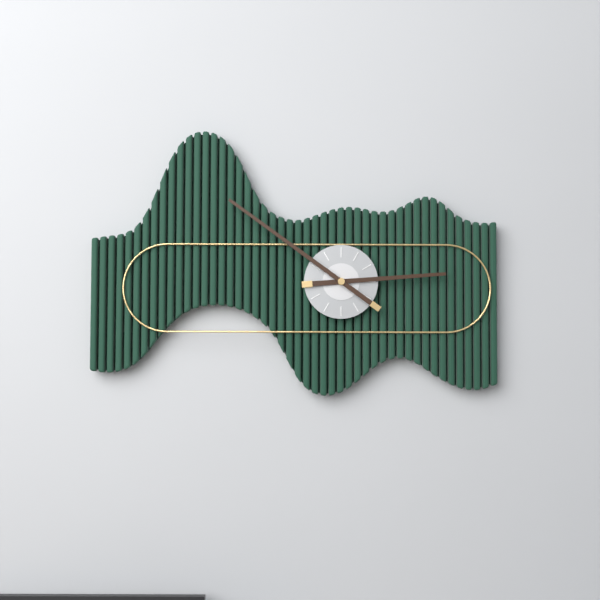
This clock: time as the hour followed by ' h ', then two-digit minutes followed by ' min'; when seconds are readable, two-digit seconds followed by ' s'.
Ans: 2 h 51 min
